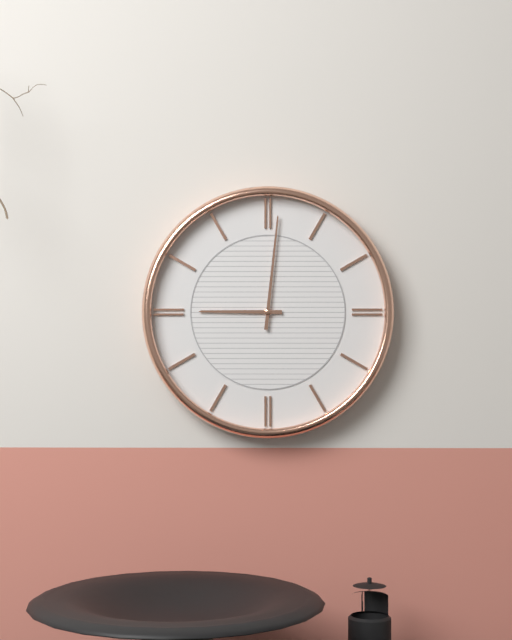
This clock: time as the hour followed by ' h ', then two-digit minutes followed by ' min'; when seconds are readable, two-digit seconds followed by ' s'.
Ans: 9 h 01 min
